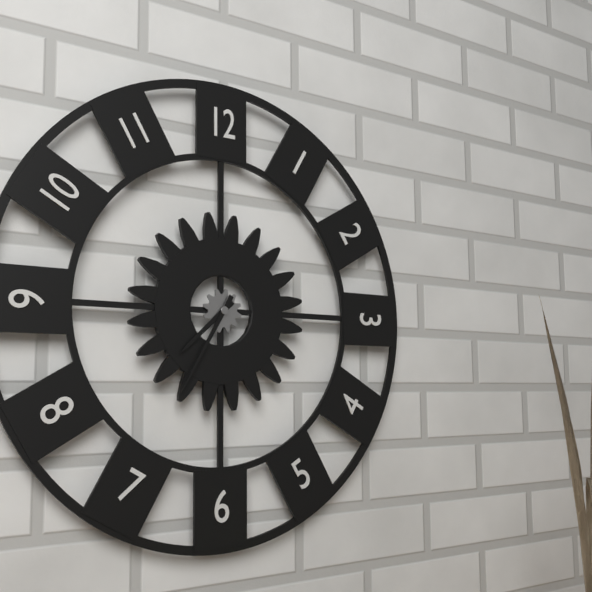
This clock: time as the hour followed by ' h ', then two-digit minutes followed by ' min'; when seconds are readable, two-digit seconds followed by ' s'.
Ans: 7 h 35 min
